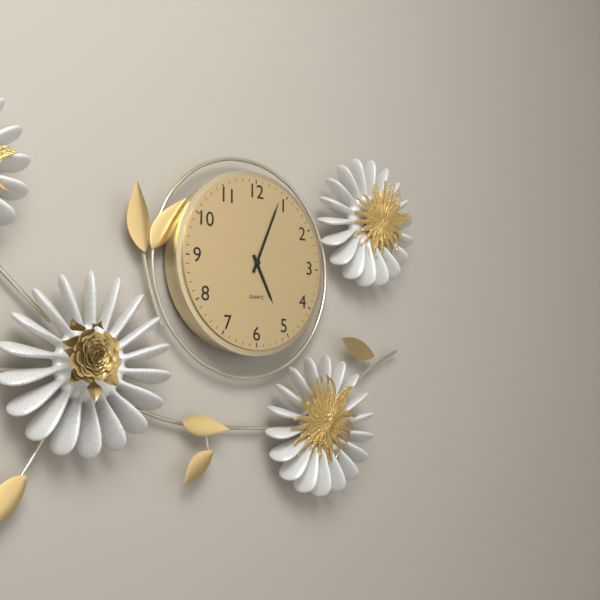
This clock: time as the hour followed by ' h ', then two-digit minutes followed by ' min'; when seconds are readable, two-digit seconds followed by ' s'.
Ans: 5 h 04 min
